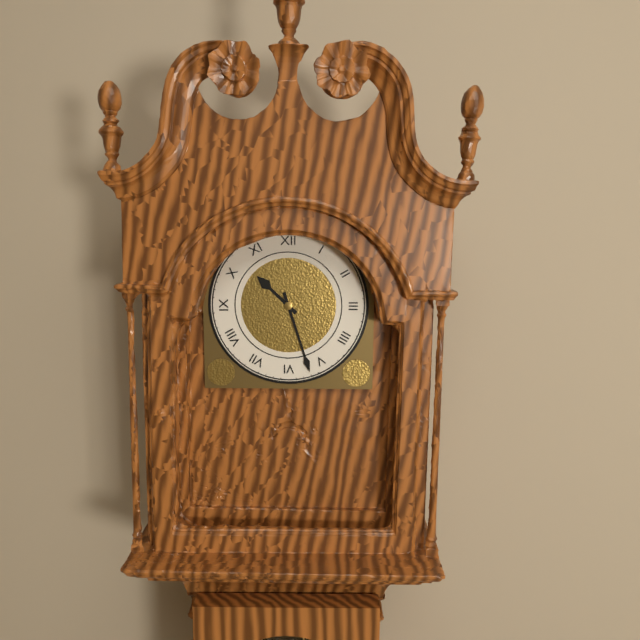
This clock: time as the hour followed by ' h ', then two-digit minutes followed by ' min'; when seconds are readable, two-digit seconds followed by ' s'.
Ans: 10 h 27 min
